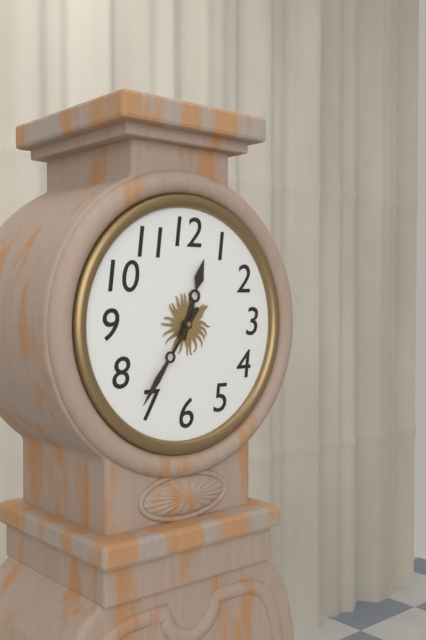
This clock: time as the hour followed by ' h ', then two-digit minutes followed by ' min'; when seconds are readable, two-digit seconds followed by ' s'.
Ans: 12 h 36 min
